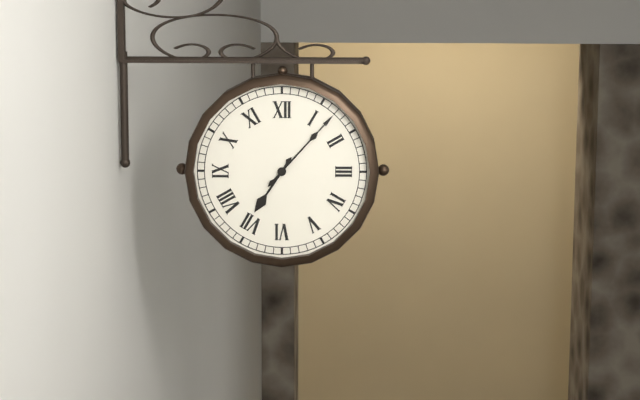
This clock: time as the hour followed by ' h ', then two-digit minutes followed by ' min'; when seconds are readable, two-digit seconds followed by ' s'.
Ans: 7 h 07 min
